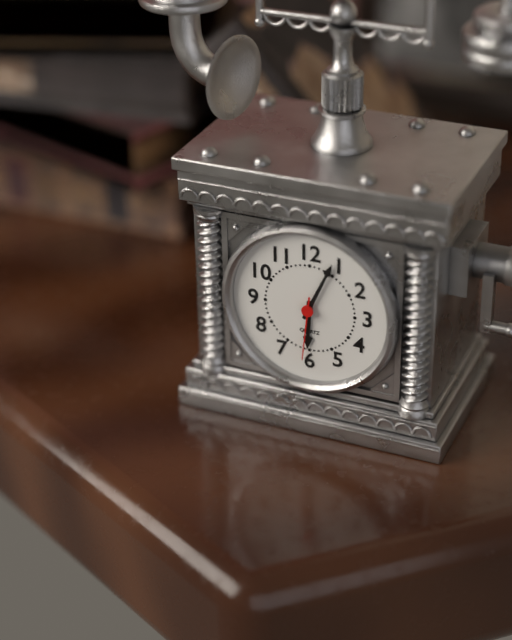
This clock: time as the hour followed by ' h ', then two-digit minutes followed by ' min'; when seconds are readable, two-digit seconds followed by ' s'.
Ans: 6 h 04 min 31 s
